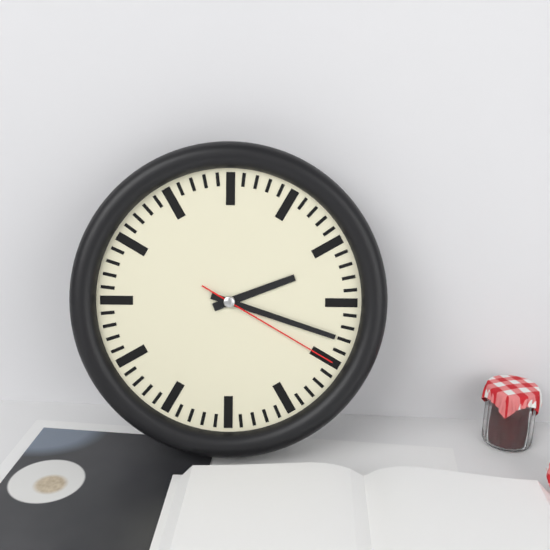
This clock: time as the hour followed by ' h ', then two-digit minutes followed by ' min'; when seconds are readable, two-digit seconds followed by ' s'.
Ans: 2 h 18 min 20 s
